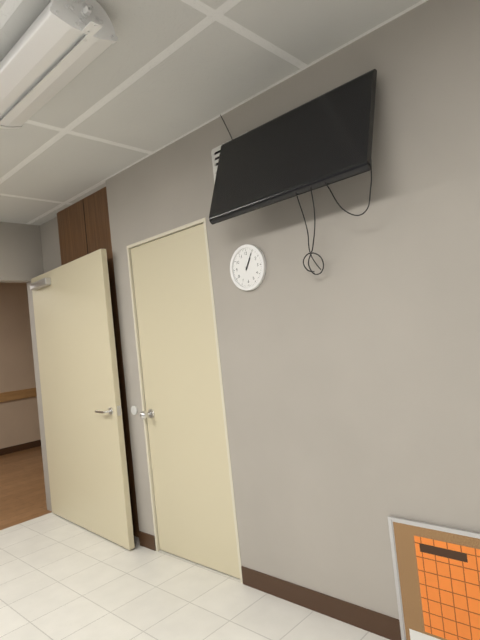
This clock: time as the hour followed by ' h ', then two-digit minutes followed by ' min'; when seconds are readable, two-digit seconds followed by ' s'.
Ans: 1 h 05 min
